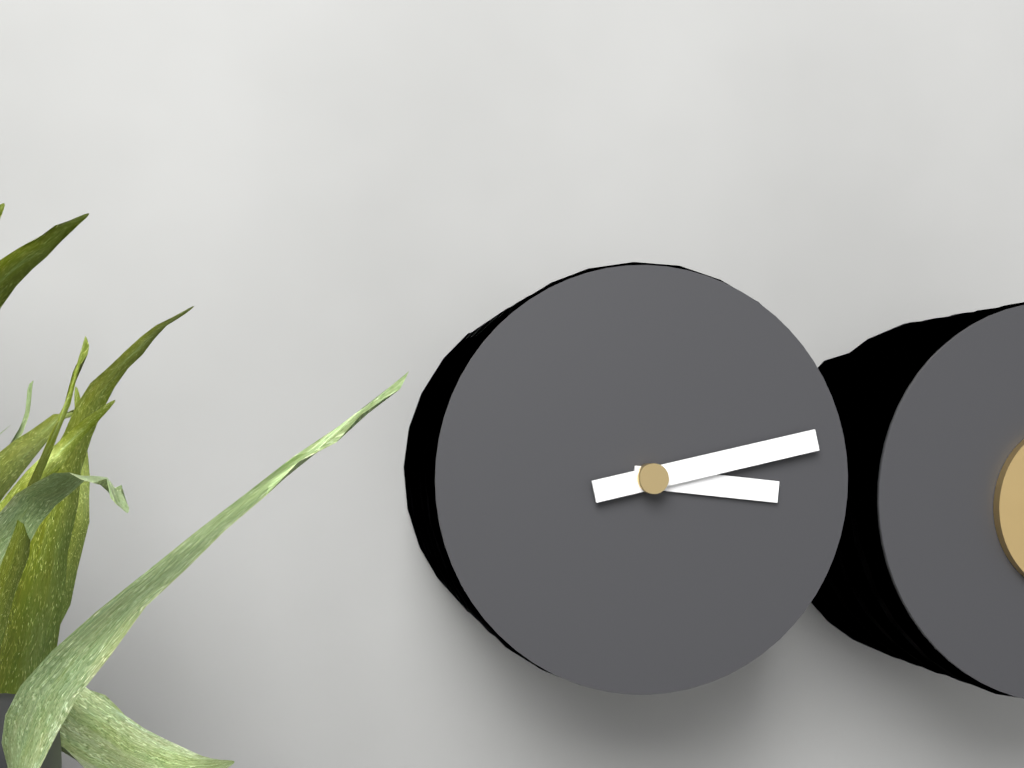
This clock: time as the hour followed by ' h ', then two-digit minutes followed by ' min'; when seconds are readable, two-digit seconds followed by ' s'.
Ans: 3 h 13 min
